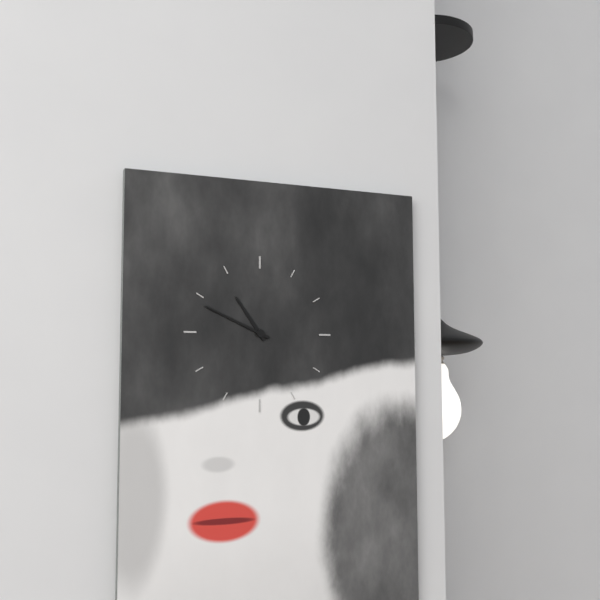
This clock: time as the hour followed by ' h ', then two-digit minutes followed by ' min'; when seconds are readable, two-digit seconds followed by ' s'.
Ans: 10 h 49 min
